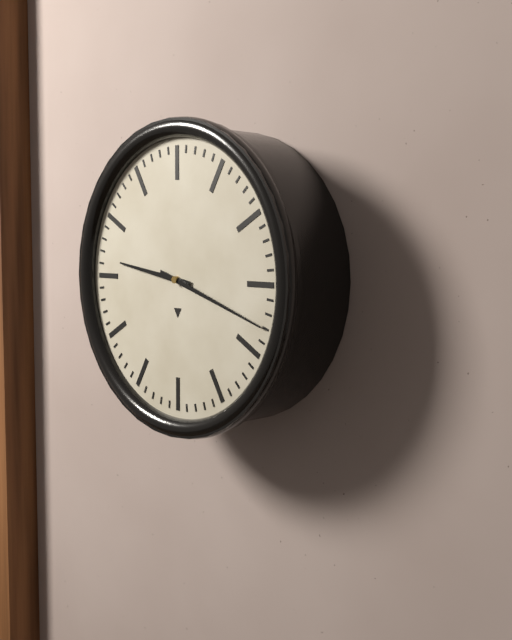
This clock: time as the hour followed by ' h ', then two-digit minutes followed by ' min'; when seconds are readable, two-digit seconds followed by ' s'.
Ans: 9 h 18 min
